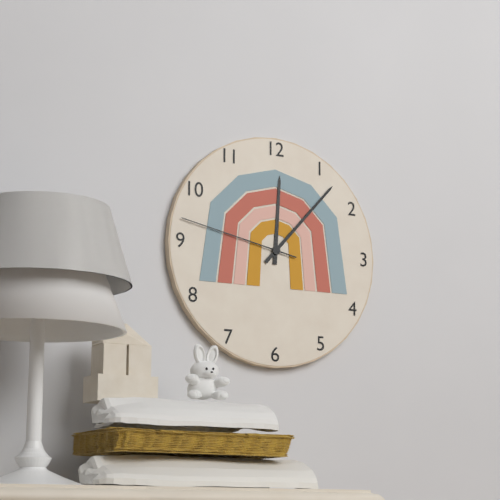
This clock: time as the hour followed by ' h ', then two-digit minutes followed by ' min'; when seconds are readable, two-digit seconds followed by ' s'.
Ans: 12 h 07 min 47 s
